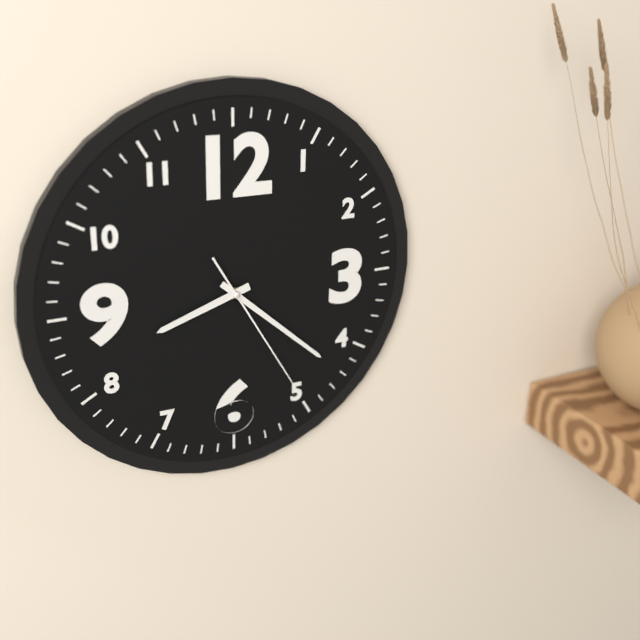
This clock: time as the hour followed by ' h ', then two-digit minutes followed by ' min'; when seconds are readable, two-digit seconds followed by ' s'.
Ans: 8 h 22 min 25 s
